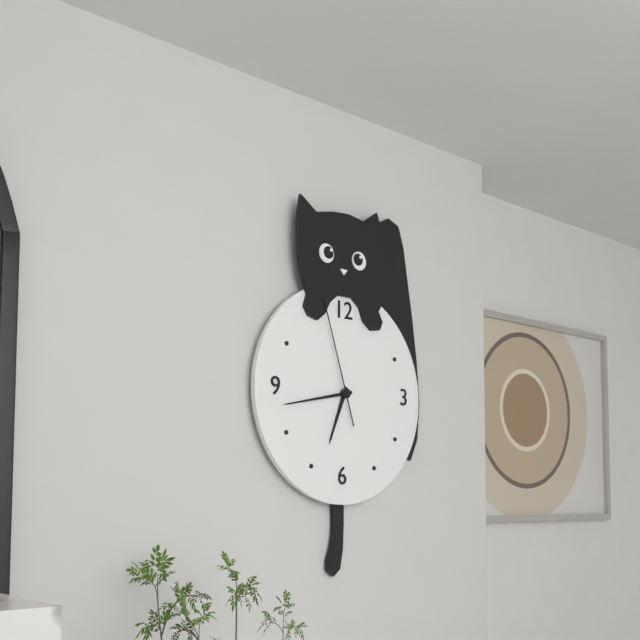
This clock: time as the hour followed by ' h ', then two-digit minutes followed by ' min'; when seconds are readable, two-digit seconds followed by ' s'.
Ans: 6 h 43 min 57 s
